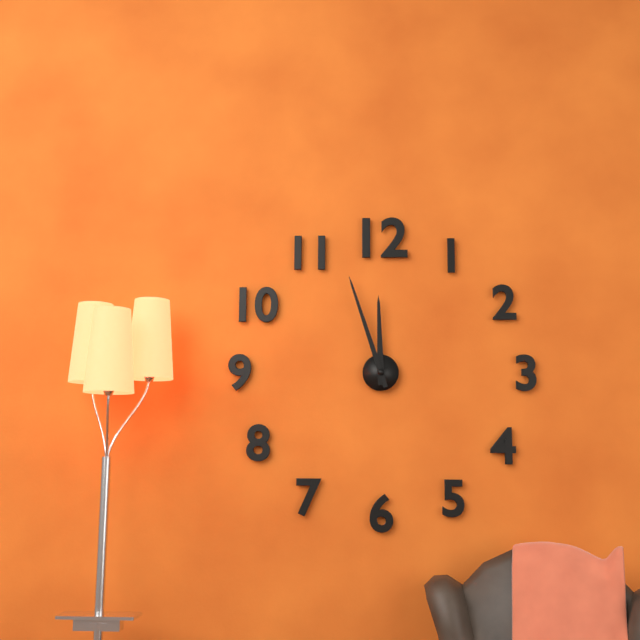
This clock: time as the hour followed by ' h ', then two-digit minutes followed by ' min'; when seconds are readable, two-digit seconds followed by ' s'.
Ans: 11 h 57 min
